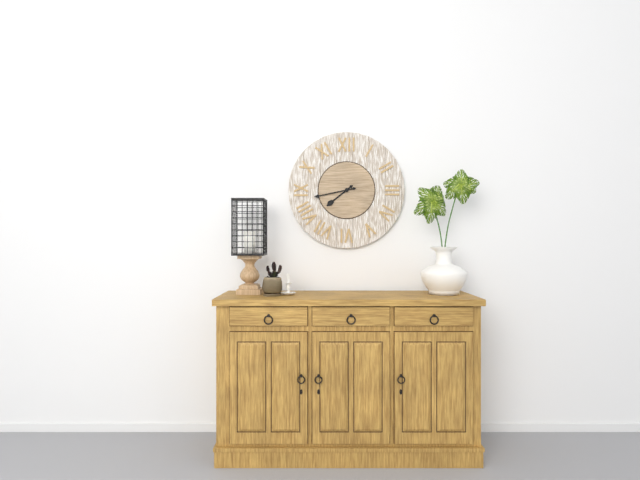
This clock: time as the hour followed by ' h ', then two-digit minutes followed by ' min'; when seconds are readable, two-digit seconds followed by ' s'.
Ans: 7 h 43 min
